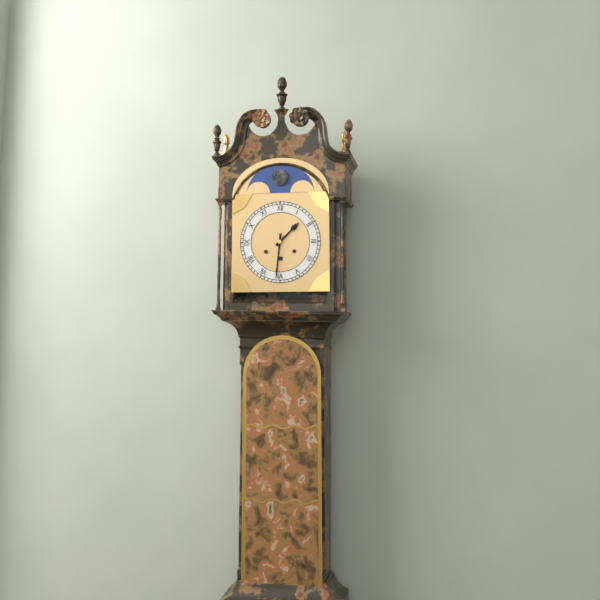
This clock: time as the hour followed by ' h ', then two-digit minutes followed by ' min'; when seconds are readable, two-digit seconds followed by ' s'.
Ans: 1 h 31 min
